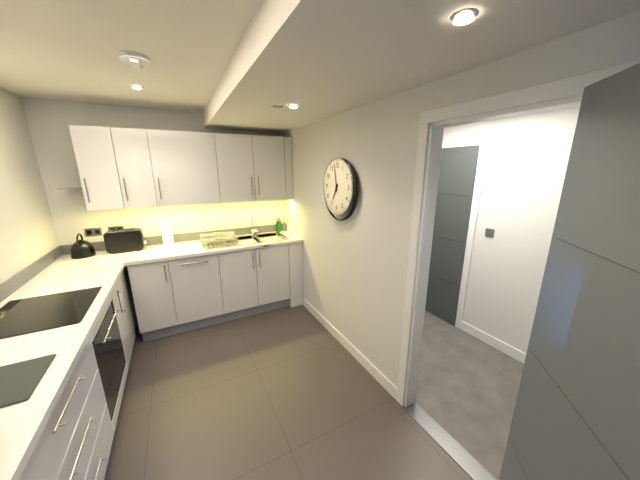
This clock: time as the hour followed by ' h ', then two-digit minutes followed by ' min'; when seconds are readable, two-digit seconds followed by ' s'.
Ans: 6 h 58 min
